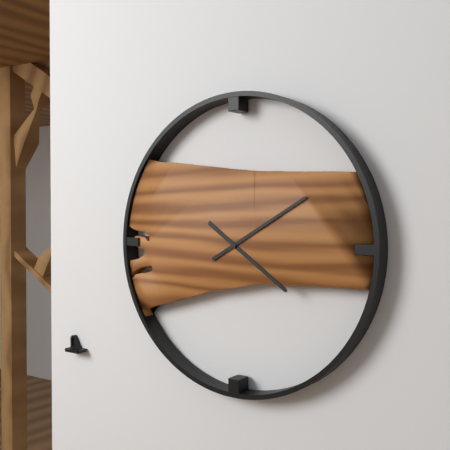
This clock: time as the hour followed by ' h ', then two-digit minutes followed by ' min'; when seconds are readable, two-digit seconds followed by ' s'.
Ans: 4 h 10 min
